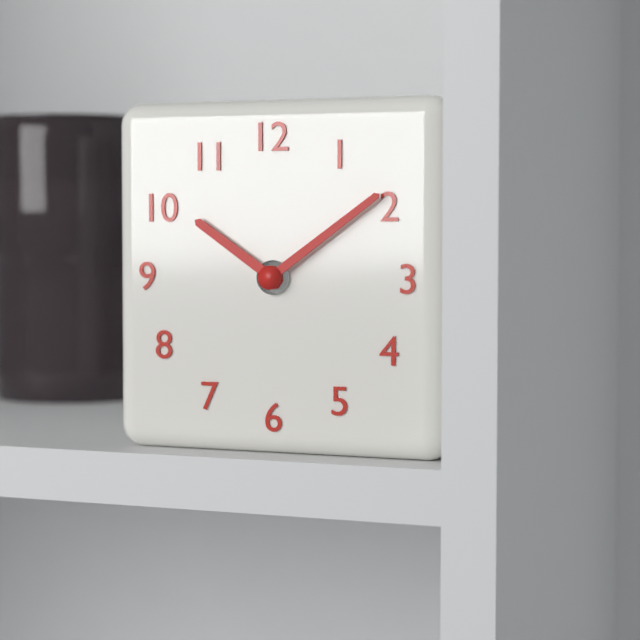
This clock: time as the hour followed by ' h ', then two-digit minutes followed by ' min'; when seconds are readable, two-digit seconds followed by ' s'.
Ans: 10 h 09 min
